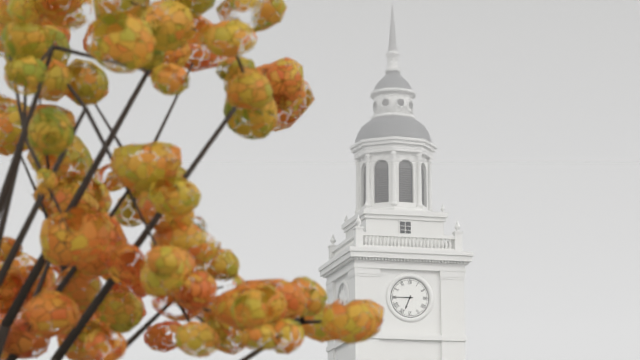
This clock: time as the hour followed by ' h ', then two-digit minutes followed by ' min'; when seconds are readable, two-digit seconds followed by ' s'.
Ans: 6 h 45 min
